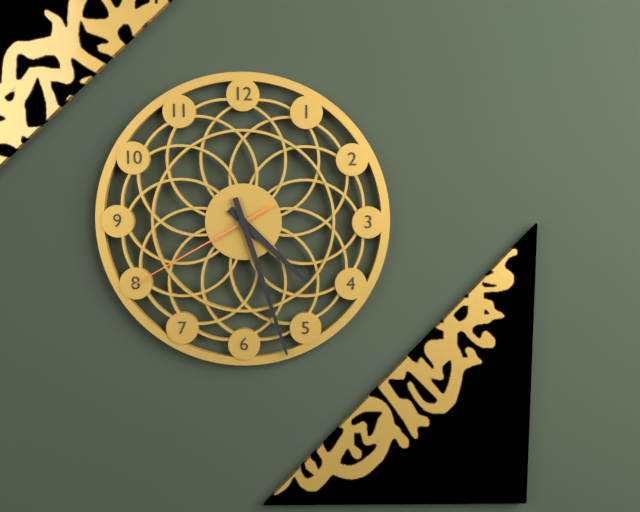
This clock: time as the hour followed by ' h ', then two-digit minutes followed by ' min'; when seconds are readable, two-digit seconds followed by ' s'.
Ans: 4 h 27 min 40 s
